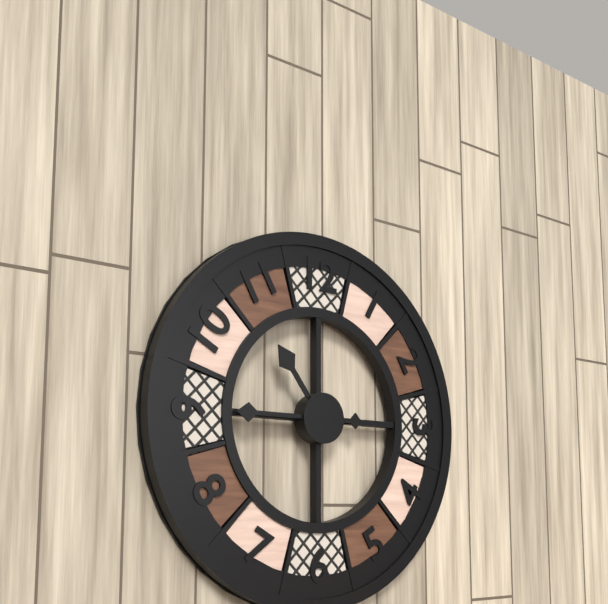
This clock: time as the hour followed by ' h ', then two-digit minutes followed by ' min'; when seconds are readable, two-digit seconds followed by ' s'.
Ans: 10 h 45 min
